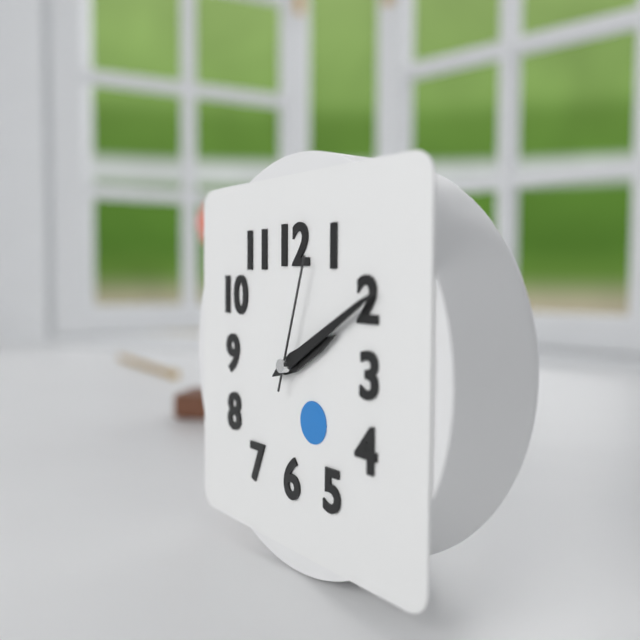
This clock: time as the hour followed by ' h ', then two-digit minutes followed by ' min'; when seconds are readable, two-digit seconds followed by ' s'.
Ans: 2 h 10 min 03 s
